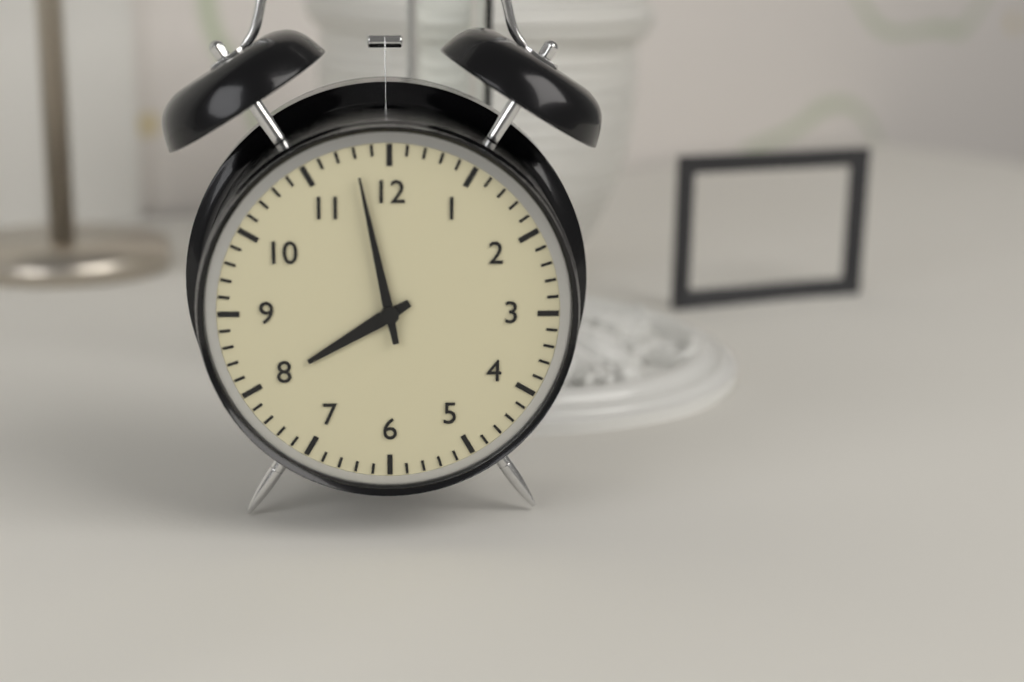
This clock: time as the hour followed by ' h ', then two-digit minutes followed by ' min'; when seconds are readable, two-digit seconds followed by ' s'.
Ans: 7 h 58 min
